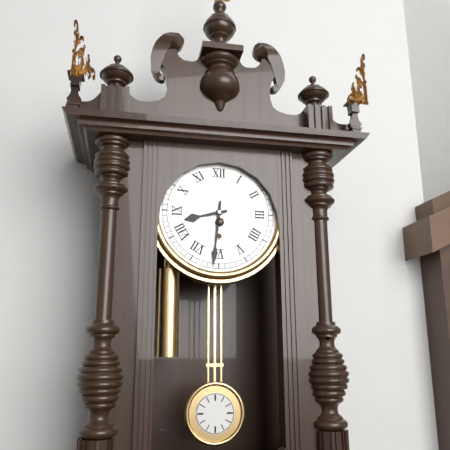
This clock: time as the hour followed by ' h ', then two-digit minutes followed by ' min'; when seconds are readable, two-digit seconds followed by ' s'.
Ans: 8 h 31 min
